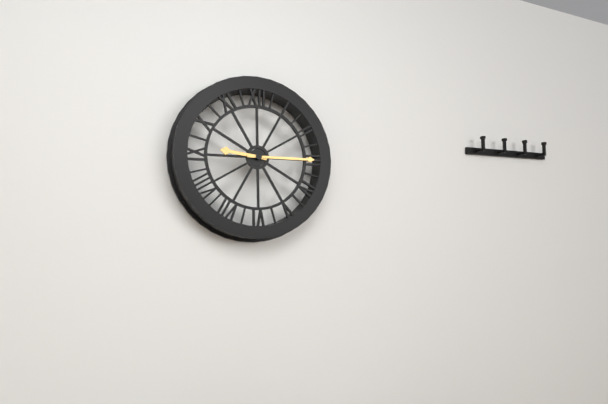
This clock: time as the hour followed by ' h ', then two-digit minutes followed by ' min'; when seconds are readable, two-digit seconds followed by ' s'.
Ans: 9 h 15 min
